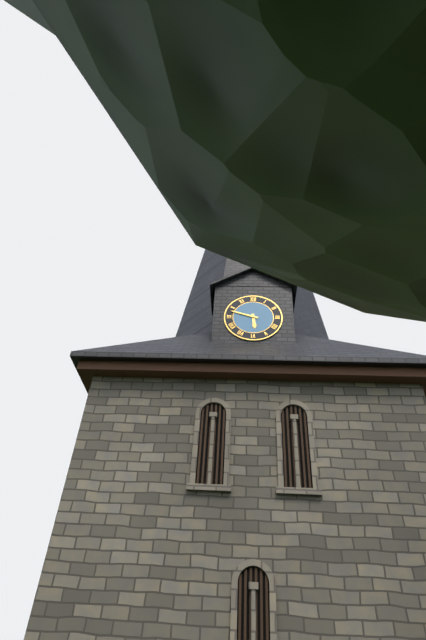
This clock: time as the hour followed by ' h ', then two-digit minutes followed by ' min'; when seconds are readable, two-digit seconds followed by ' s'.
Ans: 5 h 48 min
